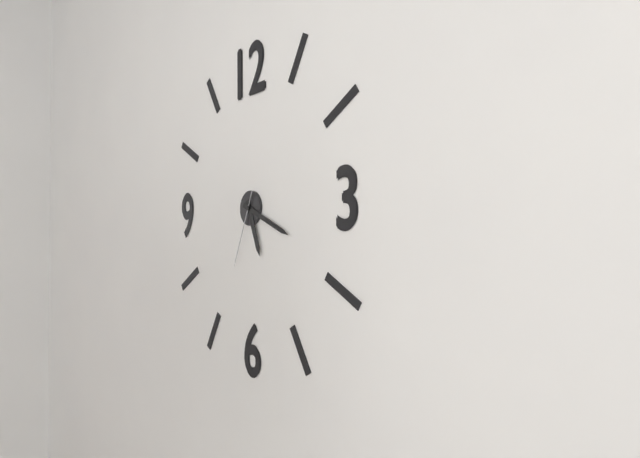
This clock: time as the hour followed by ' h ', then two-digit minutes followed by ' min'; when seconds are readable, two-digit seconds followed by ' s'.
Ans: 5 h 19 min 34 s
